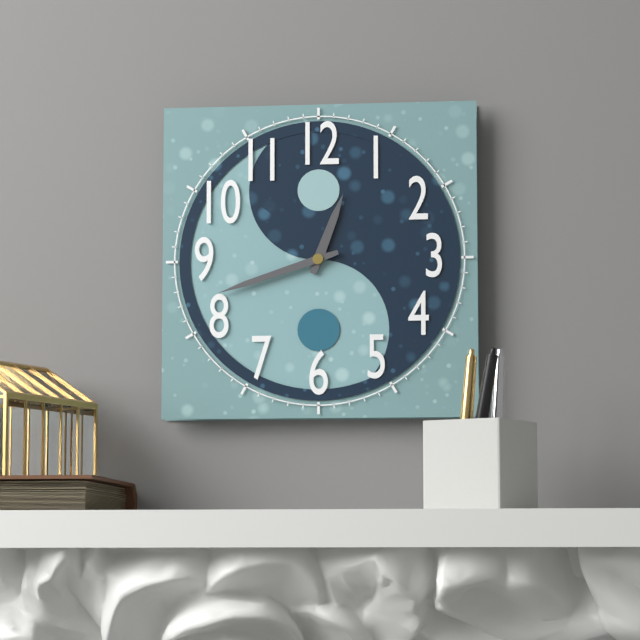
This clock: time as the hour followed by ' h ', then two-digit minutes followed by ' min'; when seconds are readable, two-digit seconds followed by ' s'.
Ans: 12 h 42 min
